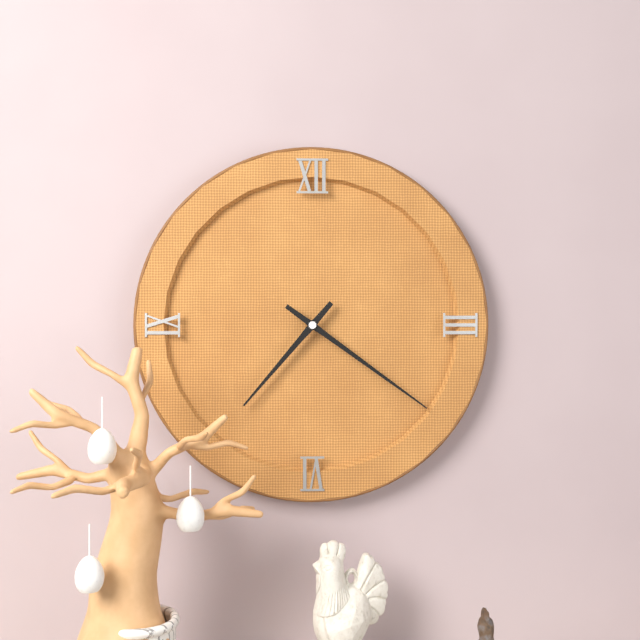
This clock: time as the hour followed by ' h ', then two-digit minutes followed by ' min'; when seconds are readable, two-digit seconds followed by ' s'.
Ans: 7 h 21 min
